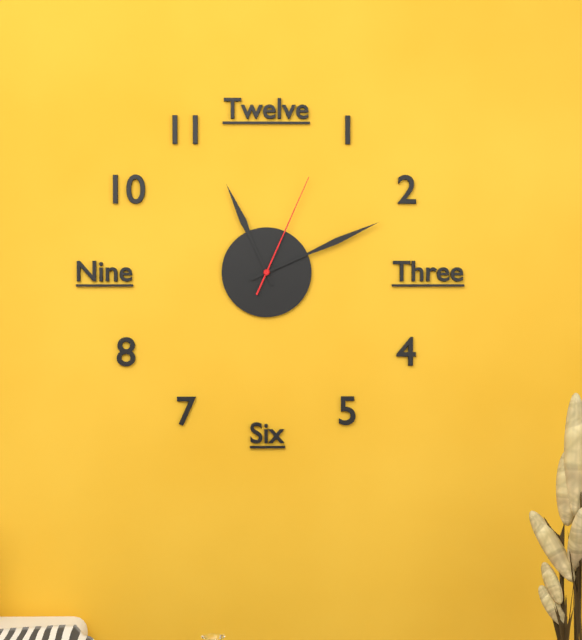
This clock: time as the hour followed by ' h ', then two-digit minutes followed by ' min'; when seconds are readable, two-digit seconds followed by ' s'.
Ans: 11 h 11 min 04 s
